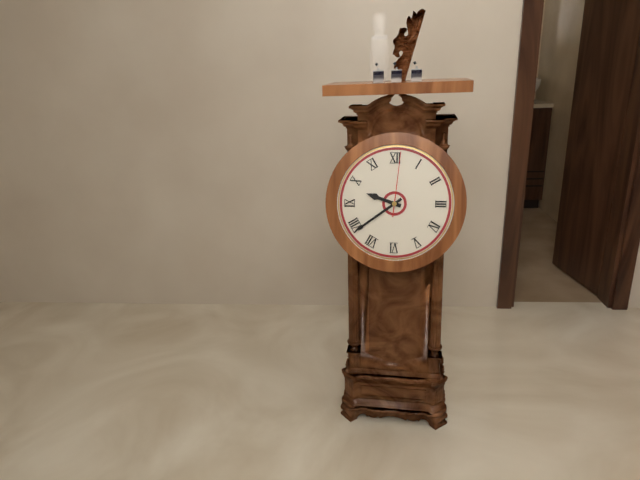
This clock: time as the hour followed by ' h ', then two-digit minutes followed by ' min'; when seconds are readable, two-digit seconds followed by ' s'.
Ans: 9 h 39 min 01 s
